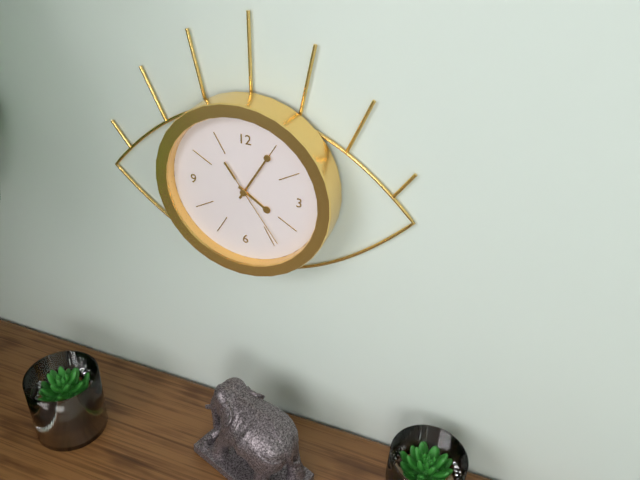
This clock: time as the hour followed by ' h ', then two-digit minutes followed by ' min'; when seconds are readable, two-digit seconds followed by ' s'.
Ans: 4 h 05 min 24 s
